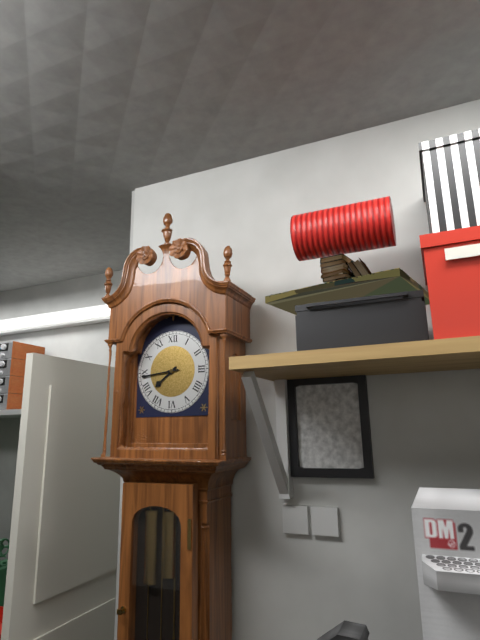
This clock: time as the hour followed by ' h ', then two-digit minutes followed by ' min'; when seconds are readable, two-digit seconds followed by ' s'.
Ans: 7 h 44 min
